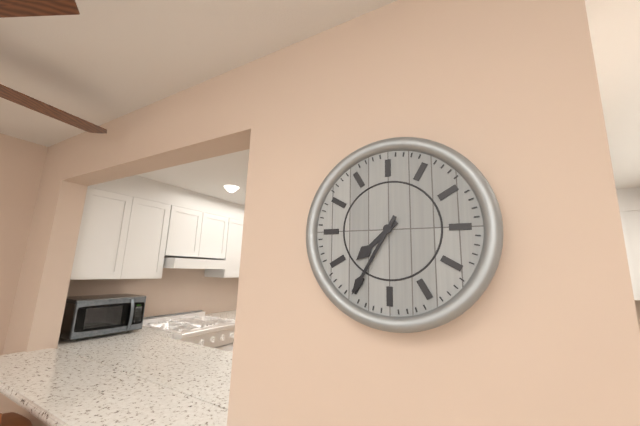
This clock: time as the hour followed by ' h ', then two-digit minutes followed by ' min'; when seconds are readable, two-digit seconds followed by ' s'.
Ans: 7 h 35 min
